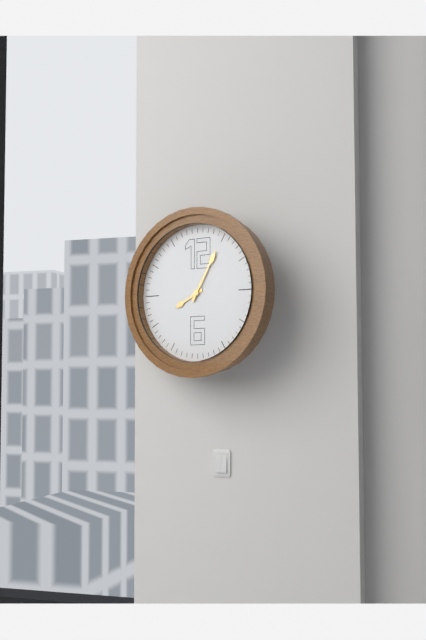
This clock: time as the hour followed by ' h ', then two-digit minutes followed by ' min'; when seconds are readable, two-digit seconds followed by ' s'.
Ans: 8 h 05 min
